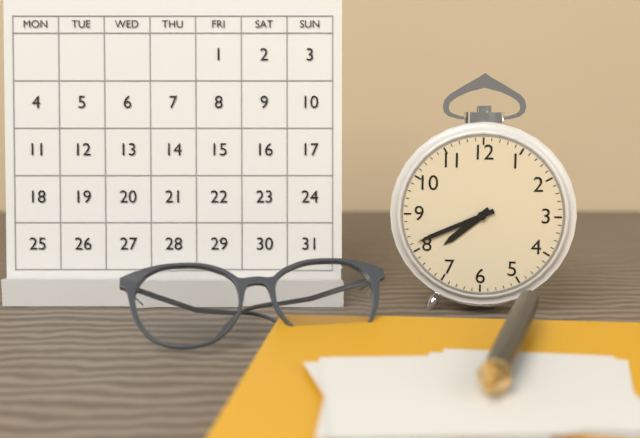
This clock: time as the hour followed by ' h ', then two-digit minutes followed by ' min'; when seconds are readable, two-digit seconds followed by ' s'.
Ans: 7 h 41 min
